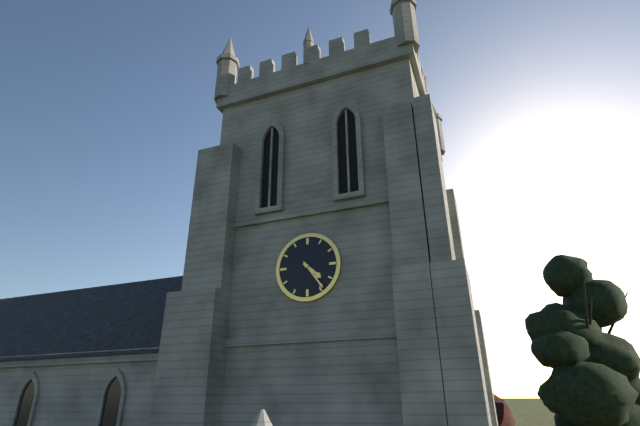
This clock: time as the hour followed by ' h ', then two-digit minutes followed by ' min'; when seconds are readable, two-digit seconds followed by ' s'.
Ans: 4 h 24 min
